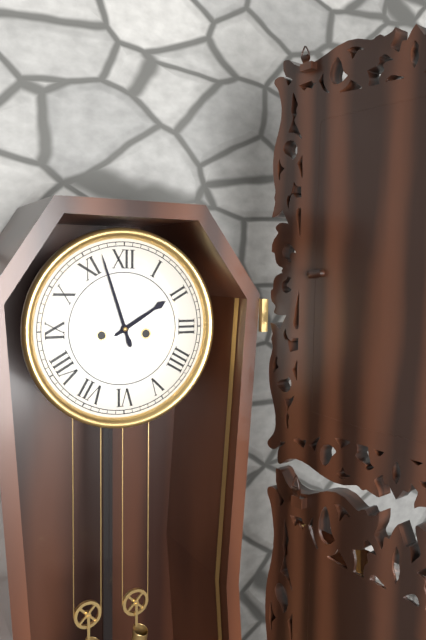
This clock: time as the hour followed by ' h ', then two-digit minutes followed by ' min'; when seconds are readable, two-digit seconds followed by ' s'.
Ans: 1 h 57 min
